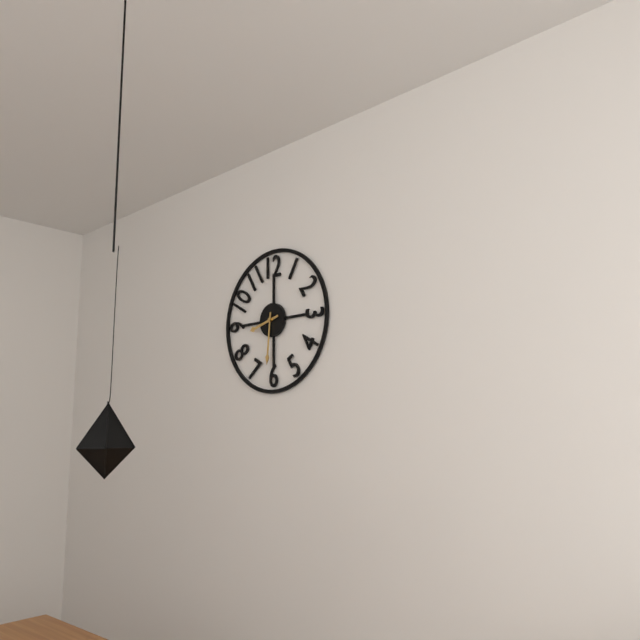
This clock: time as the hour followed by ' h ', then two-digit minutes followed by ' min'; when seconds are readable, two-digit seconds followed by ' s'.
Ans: 8 h 31 min
